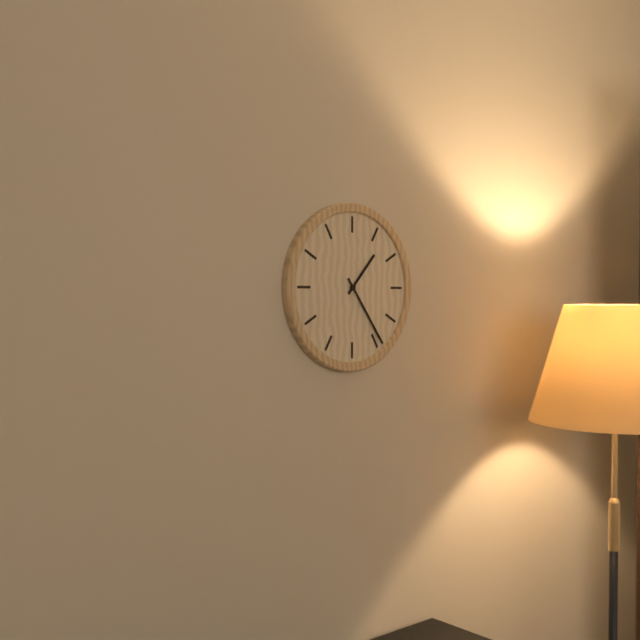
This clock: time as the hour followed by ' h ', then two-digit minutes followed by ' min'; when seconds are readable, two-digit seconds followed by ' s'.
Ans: 1 h 24 min
